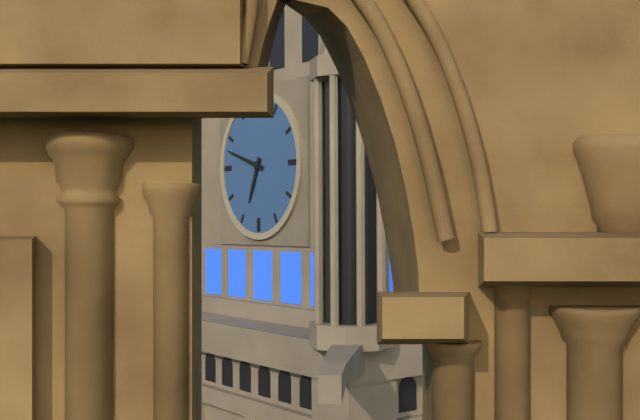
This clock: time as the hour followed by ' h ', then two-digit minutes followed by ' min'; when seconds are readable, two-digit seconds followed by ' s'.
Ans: 6 h 48 min
